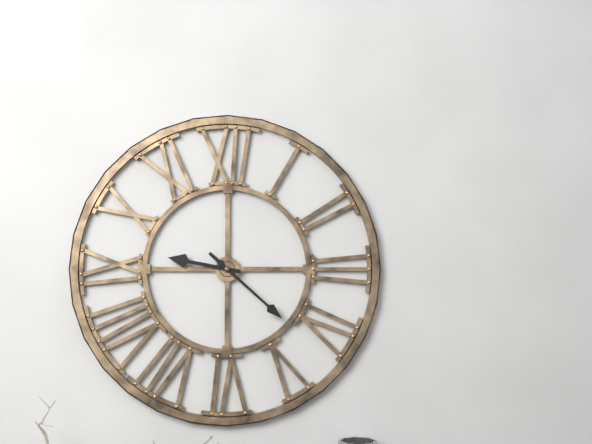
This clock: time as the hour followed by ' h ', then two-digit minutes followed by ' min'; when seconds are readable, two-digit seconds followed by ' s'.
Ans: 9 h 22 min
